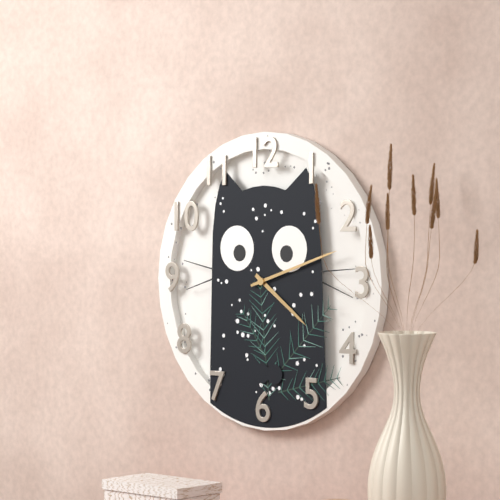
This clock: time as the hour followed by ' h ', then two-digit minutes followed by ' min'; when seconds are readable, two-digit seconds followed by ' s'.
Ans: 4 h 12 min
